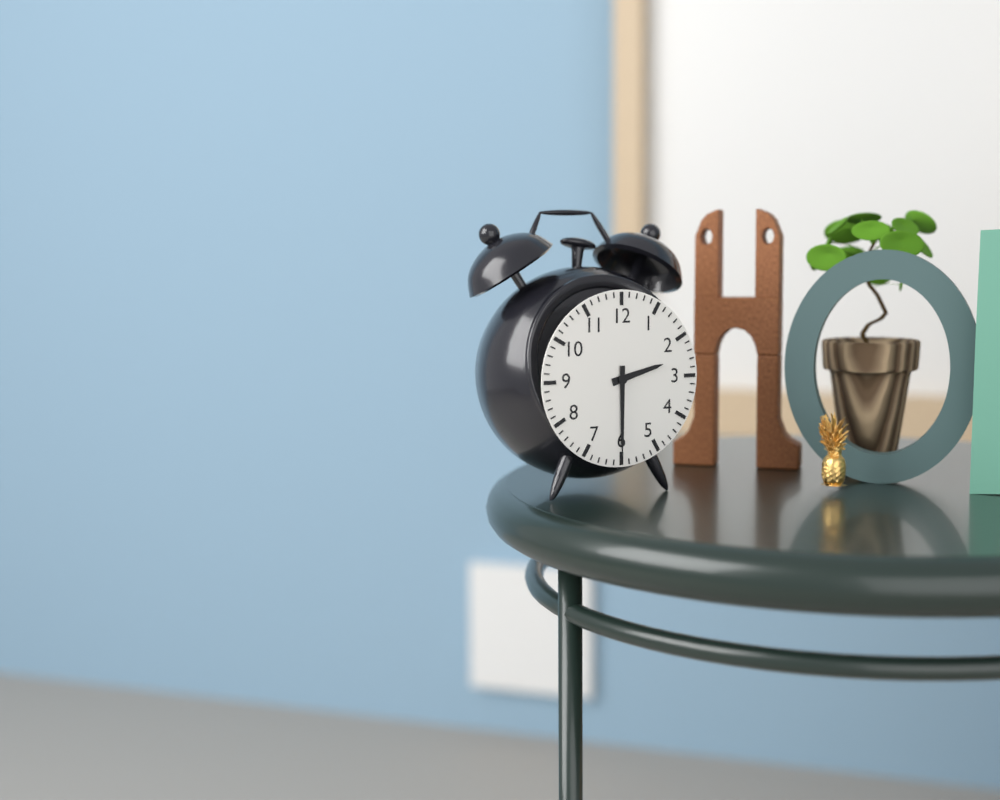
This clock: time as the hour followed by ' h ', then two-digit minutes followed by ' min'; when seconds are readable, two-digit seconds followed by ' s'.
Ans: 2 h 30 min
